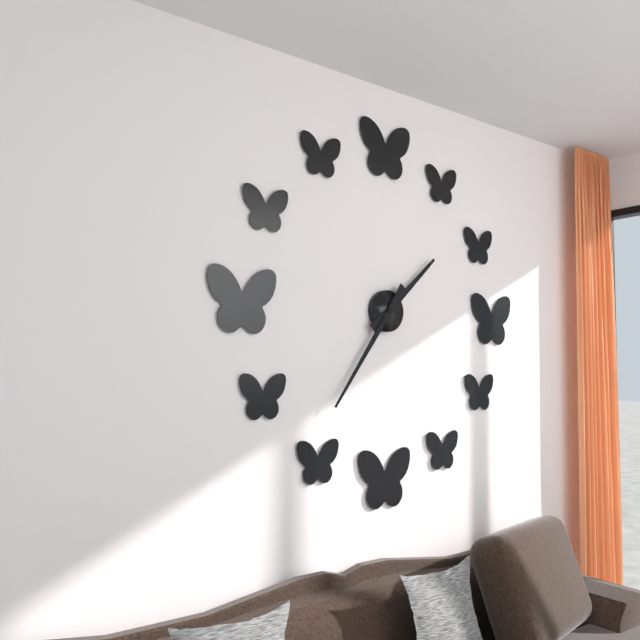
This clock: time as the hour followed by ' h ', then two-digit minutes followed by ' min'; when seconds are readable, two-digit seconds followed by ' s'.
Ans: 1 h 36 min
